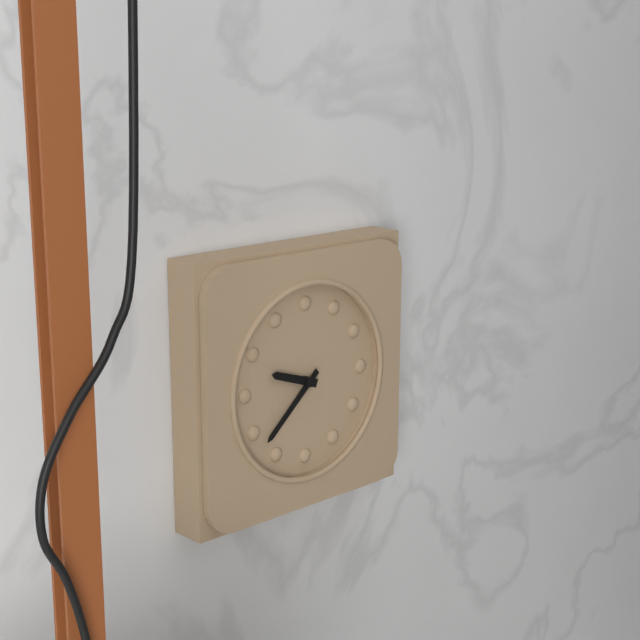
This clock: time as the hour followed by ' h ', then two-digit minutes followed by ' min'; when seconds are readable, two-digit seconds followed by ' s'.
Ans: 9 h 38 min
